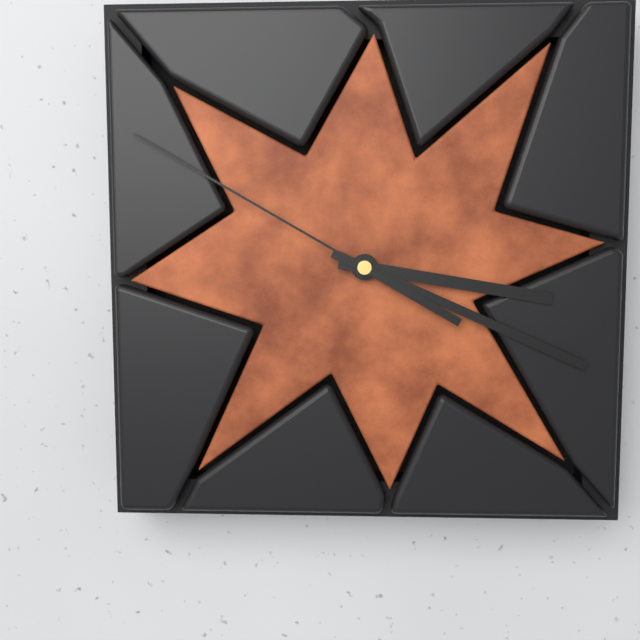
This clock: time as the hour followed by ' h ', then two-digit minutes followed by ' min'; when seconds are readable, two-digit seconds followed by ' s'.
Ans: 3 h 19 min 50 s
